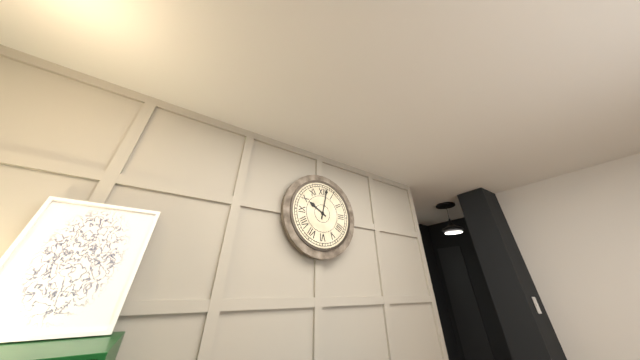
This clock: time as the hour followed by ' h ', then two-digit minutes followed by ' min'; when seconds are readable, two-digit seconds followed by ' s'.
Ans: 10 h 02 min
